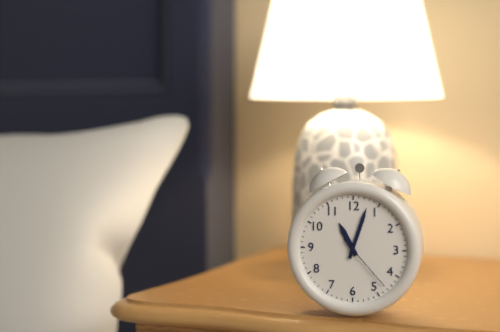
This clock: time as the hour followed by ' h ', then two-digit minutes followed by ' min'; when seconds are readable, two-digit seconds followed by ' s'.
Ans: 11 h 03 min 23 s
